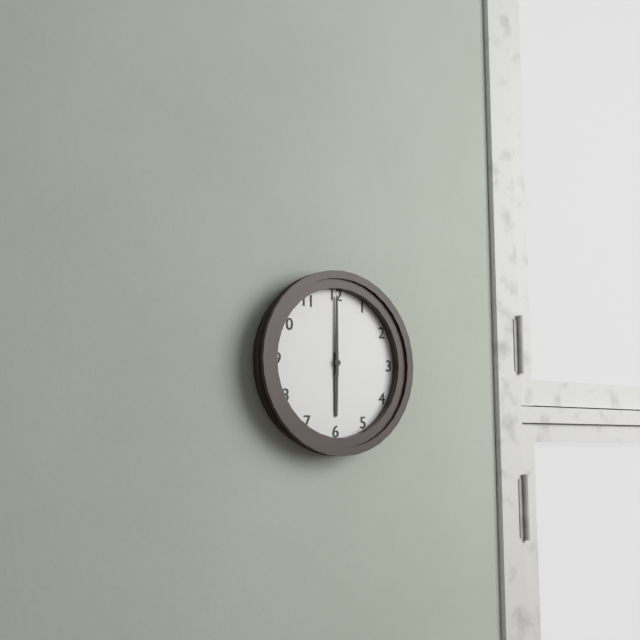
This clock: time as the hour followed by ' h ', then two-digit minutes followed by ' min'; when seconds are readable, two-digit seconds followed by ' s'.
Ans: 6 h 00 min
